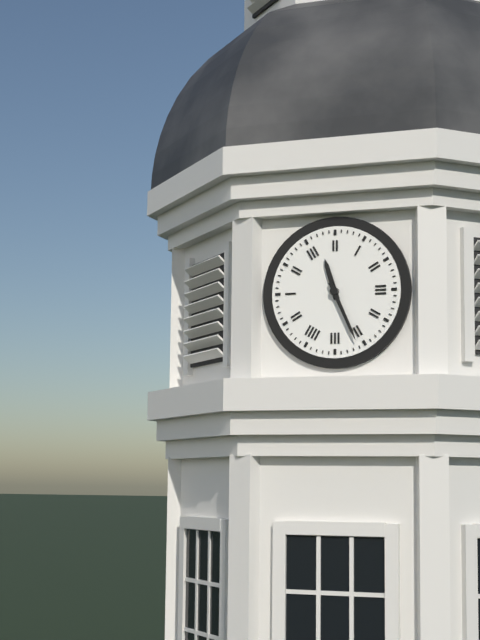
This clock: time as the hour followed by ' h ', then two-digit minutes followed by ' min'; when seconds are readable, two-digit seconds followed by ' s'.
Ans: 11 h 26 min
